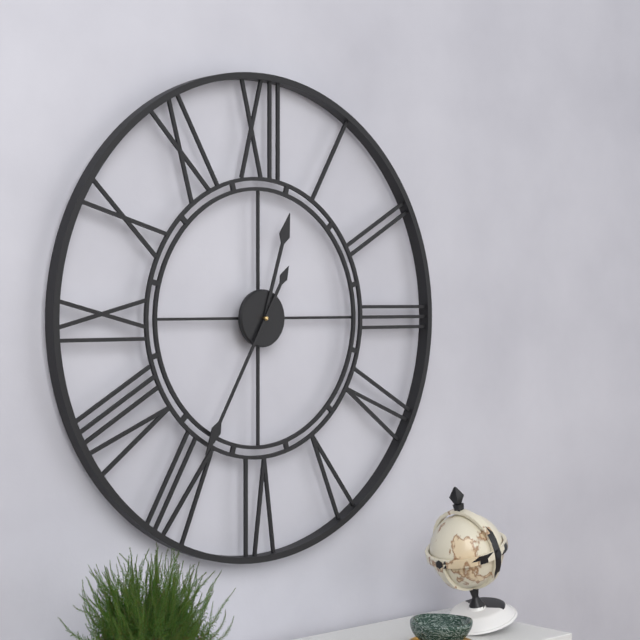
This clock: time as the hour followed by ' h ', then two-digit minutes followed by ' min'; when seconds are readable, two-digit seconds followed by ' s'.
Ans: 12 h 35 min
